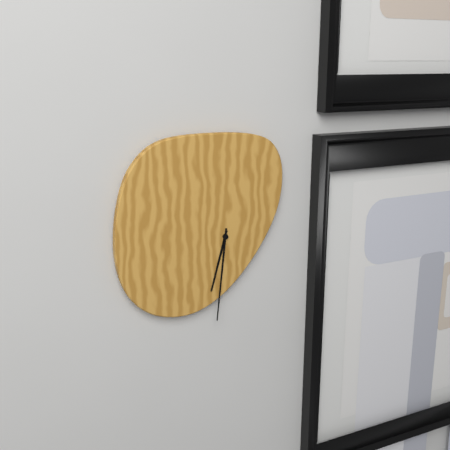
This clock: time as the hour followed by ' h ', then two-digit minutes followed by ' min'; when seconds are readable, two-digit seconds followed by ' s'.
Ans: 6 h 31 min
